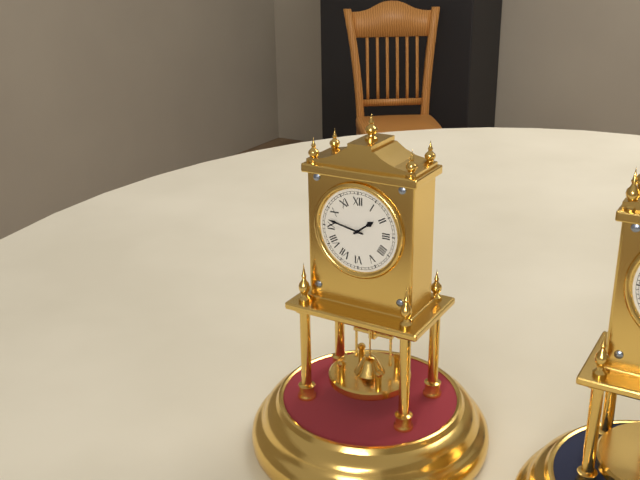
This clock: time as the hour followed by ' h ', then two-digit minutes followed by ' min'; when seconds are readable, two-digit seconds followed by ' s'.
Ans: 1 h 47 min
